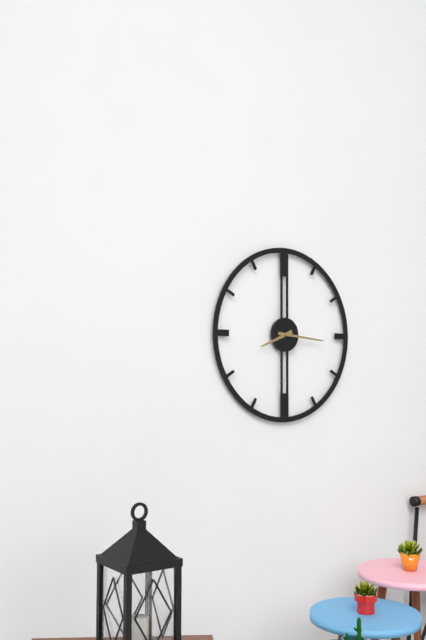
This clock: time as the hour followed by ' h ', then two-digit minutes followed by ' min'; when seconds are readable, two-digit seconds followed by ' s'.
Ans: 8 h 16 min
